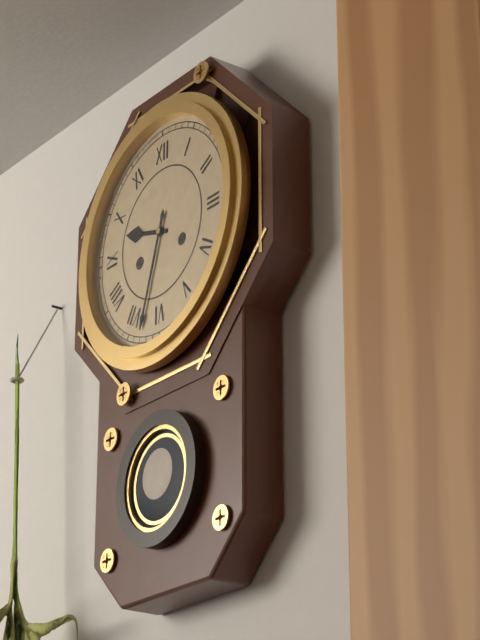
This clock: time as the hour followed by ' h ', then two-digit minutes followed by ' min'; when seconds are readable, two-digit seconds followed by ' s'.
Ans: 9 h 33 min
